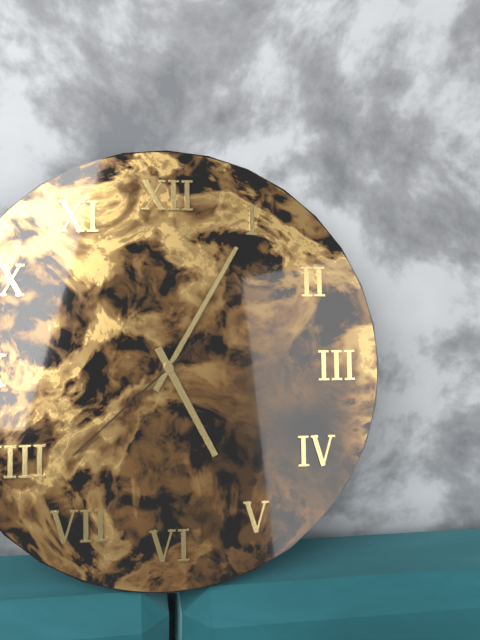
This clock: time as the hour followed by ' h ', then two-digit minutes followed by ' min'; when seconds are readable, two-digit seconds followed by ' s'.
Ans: 5 h 05 min 38 s
